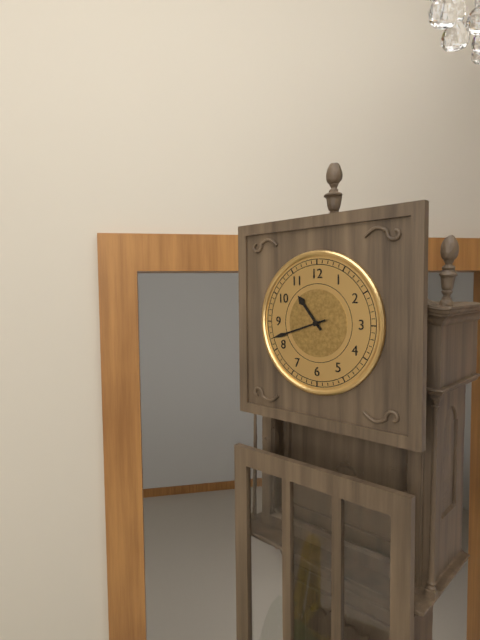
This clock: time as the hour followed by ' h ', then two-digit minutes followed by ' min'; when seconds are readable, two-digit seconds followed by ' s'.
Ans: 10 h 42 min
